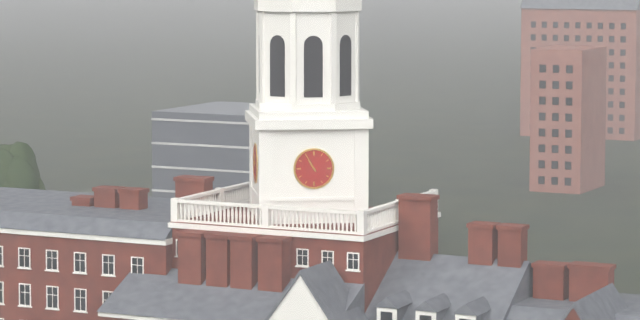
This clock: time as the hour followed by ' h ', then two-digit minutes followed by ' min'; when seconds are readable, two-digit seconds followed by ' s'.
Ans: 10 h 55 min
